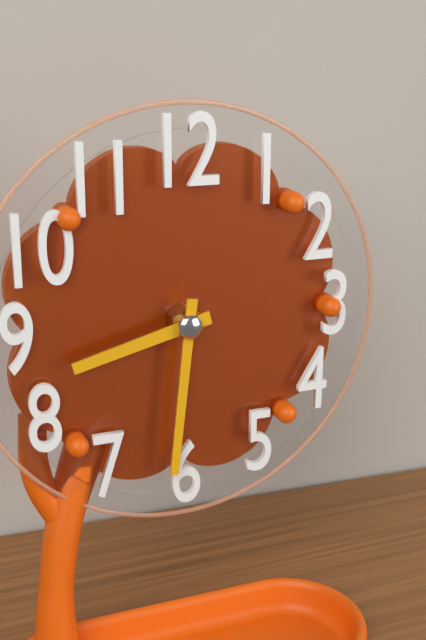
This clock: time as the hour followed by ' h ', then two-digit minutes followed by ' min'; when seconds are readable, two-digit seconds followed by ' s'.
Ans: 8 h 31 min
